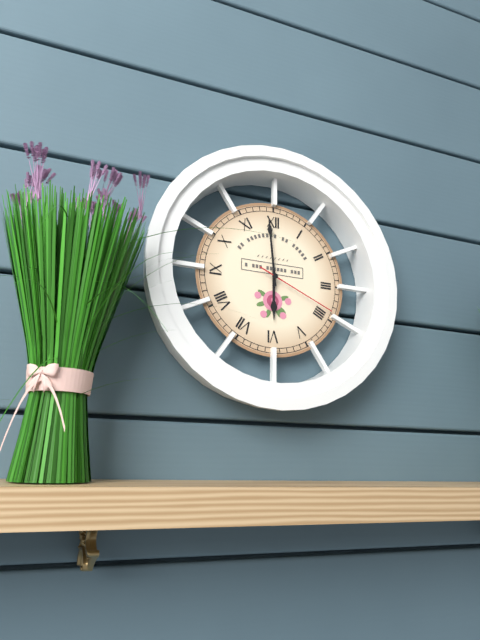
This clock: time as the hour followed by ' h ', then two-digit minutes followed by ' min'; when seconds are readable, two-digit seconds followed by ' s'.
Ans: 5 h 59 min 19 s
